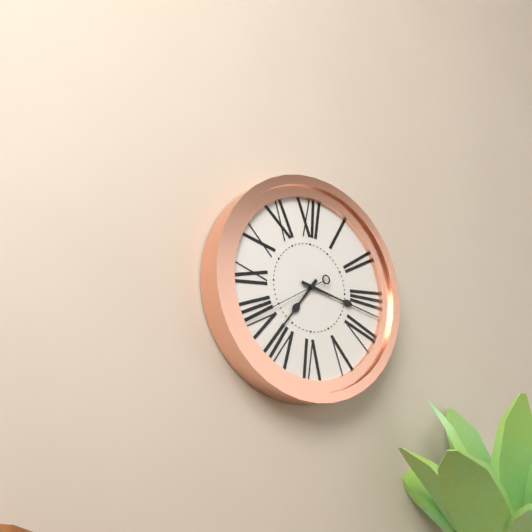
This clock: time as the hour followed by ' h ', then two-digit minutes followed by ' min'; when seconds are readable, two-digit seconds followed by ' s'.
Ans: 7 h 17 min 40 s
